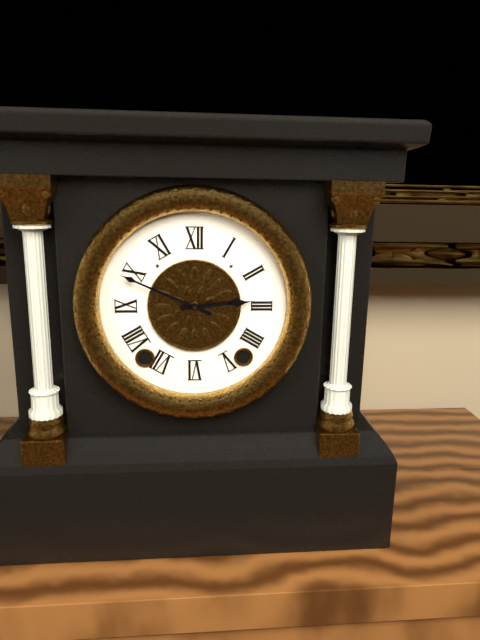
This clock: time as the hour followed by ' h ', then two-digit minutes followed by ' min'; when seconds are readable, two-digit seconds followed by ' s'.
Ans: 2 h 49 min
